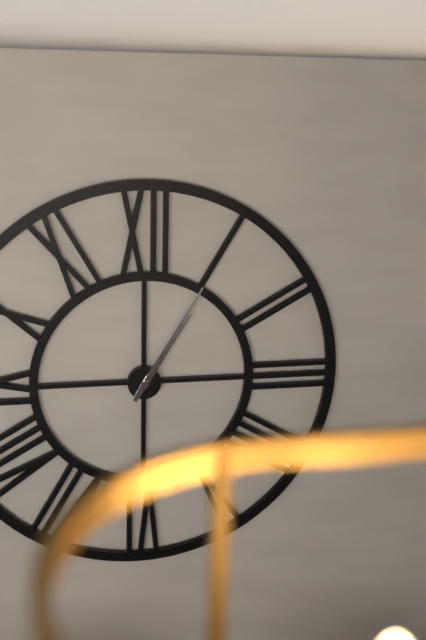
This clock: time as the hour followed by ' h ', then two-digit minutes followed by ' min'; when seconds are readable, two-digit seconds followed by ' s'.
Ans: 1 h 05 min
